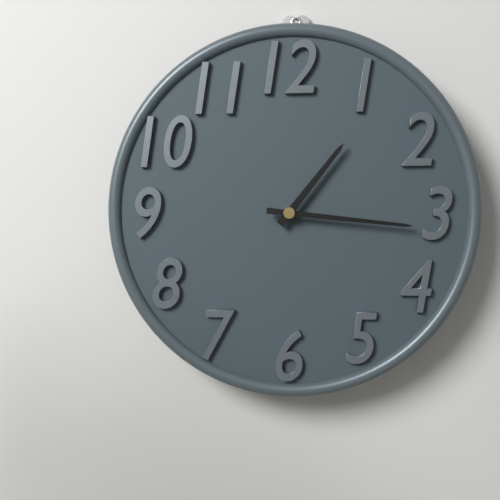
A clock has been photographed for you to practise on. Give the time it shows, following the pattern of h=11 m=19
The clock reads h=1 m=16
